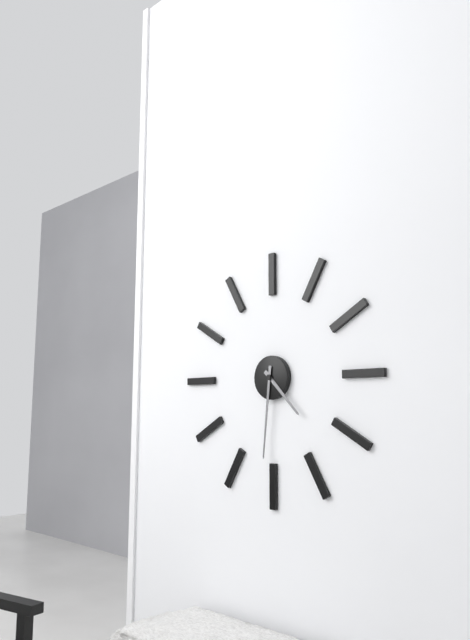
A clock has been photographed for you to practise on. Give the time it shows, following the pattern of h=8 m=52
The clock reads h=4 m=31
